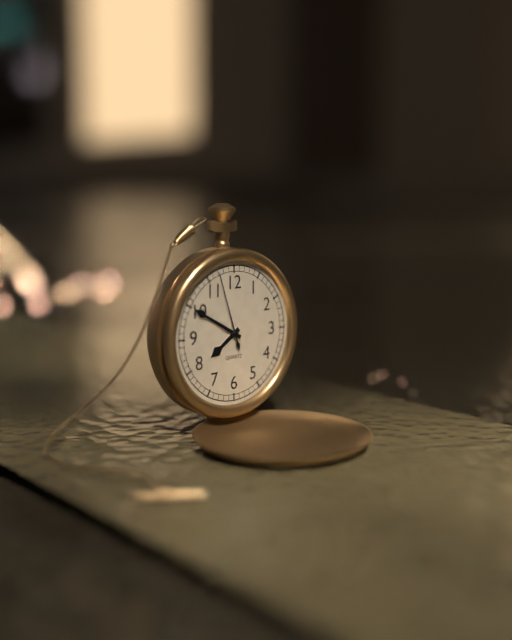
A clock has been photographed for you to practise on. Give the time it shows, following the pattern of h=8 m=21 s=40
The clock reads h=7 m=50 s=57
